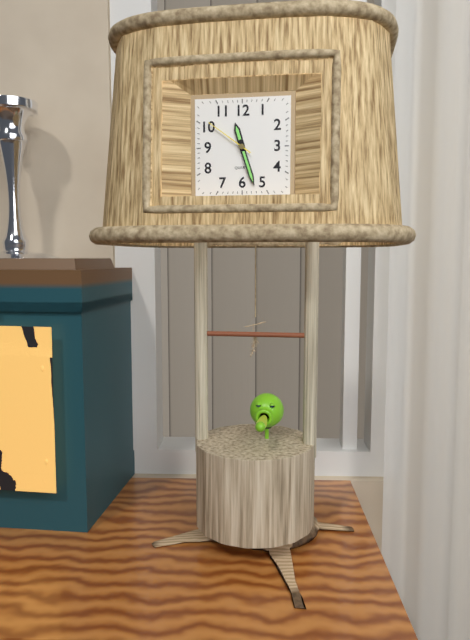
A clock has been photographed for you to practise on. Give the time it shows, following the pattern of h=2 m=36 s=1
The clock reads h=11 m=27 s=51
